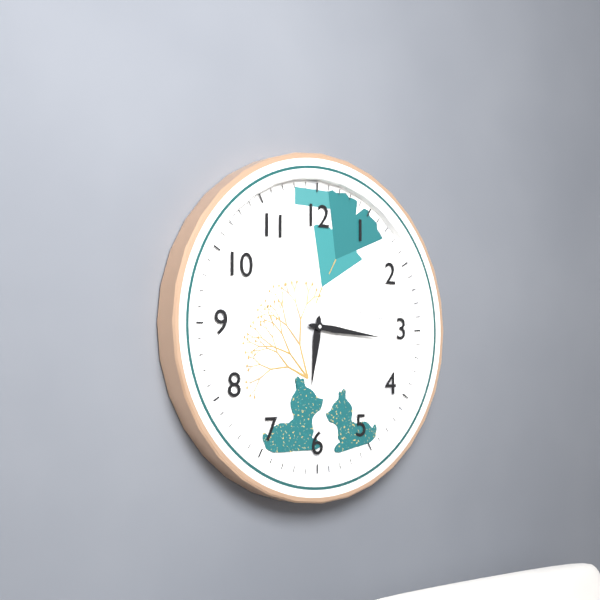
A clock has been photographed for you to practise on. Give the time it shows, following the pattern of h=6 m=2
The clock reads h=6 m=16
